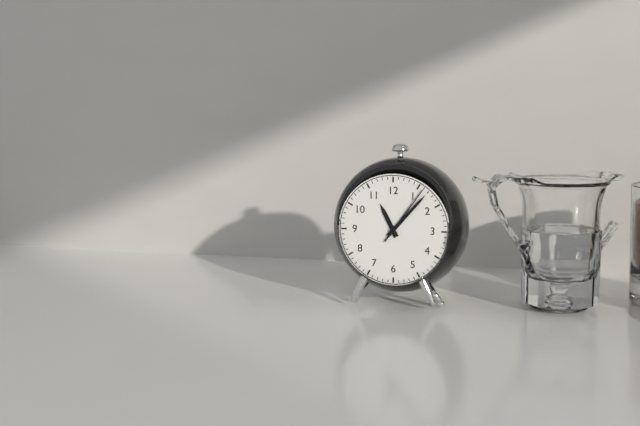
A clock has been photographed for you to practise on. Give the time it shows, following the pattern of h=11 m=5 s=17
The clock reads h=11 m=7 s=6
